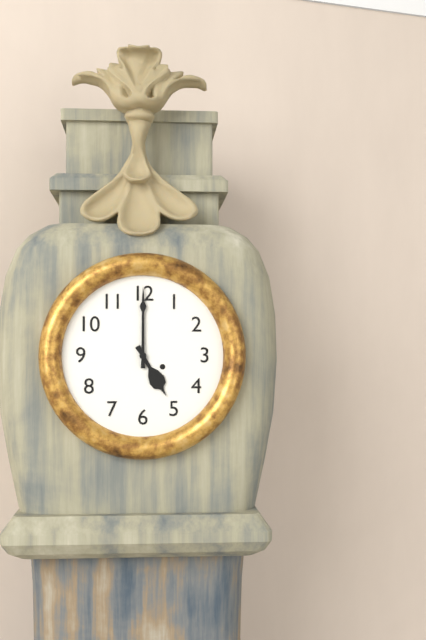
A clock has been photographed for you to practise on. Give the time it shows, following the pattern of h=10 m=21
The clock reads h=5 m=0
